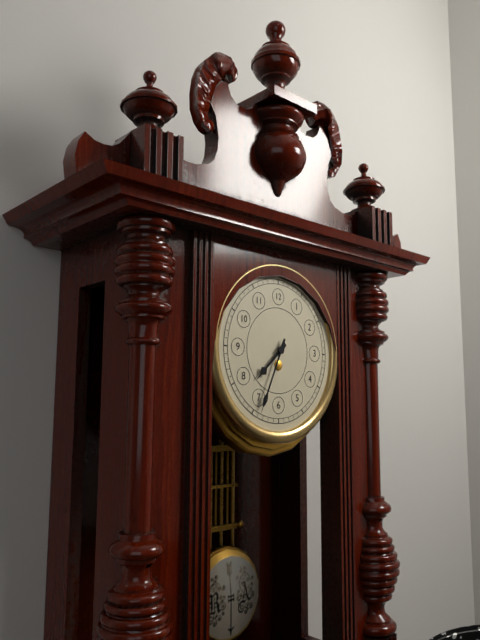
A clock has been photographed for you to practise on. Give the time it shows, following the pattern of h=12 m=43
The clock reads h=7 m=34
